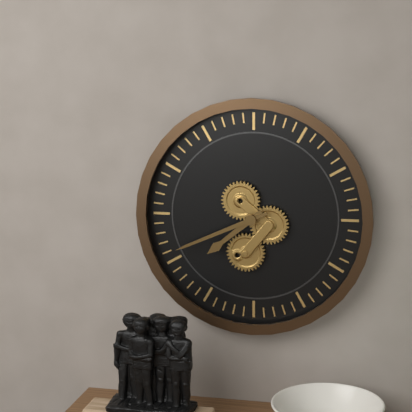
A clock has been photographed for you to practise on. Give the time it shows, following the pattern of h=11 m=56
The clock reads h=7 m=41
